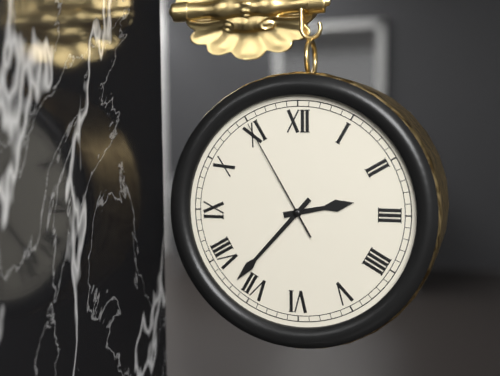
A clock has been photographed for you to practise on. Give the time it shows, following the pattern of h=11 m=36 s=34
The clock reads h=2 m=37 s=55
